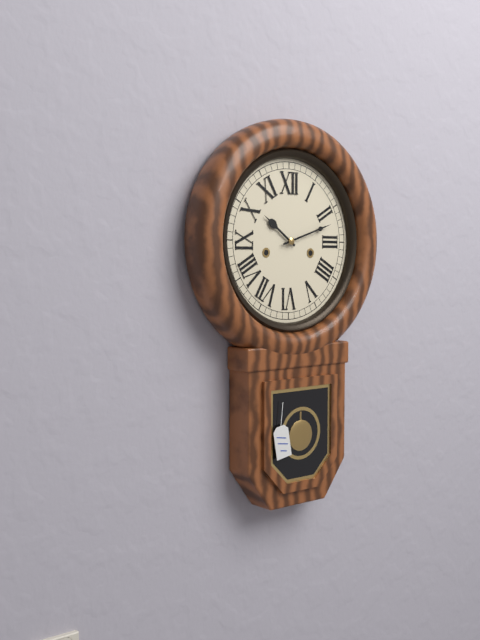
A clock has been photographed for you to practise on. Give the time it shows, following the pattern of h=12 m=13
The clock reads h=10 m=12
